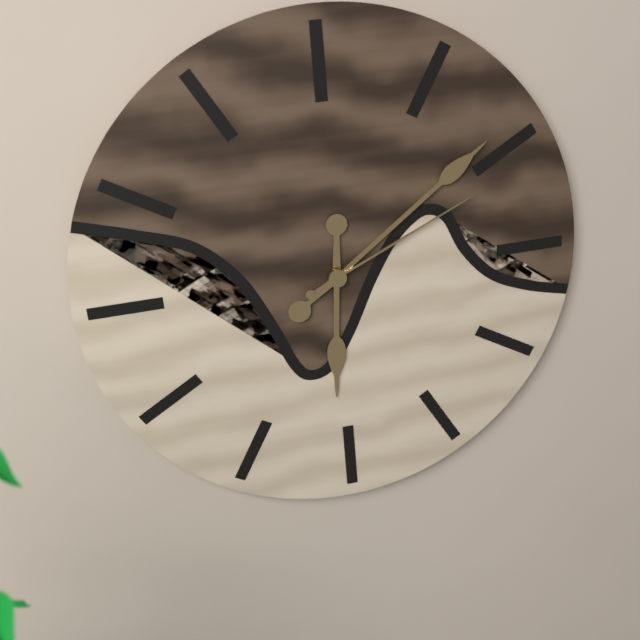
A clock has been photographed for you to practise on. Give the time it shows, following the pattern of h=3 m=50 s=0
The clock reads h=6 m=9 s=11
